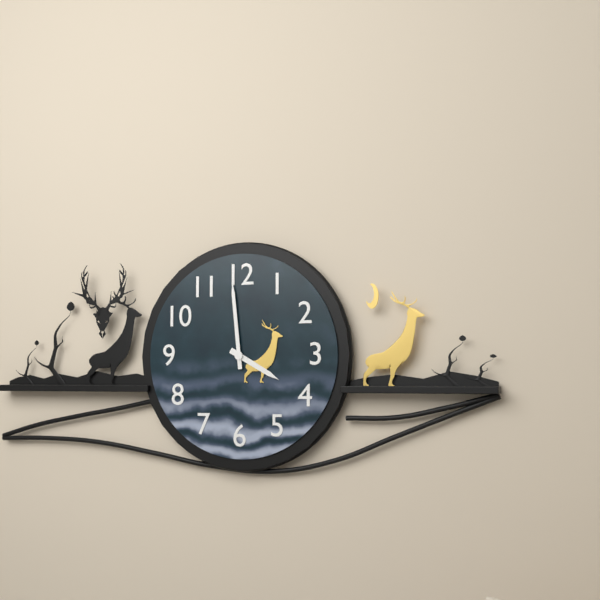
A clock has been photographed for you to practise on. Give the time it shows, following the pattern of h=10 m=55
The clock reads h=3 m=59
